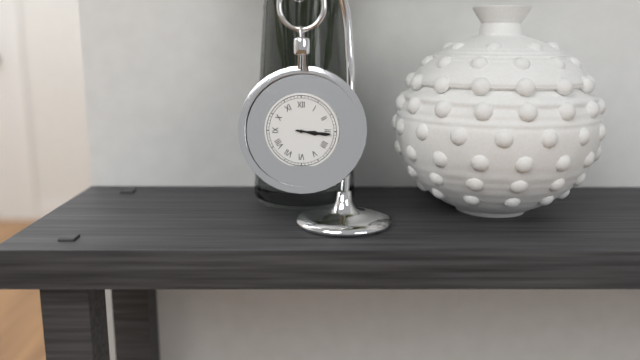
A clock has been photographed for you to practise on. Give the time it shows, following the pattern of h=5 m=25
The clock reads h=3 m=16
